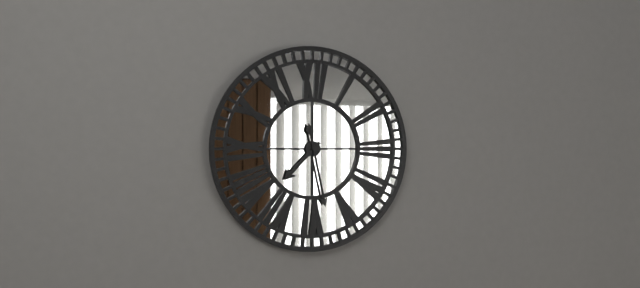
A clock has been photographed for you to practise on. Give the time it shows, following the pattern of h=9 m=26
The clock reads h=7 m=28
